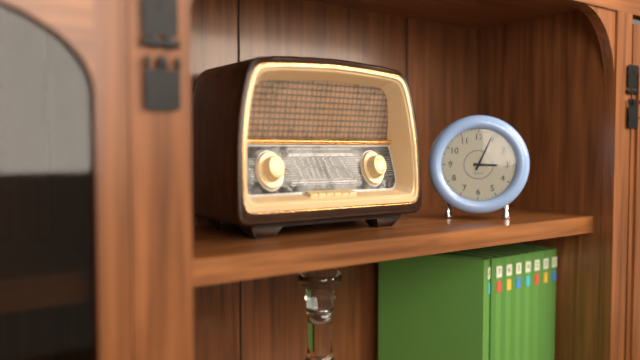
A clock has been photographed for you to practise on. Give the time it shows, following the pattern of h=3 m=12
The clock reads h=3 m=4
